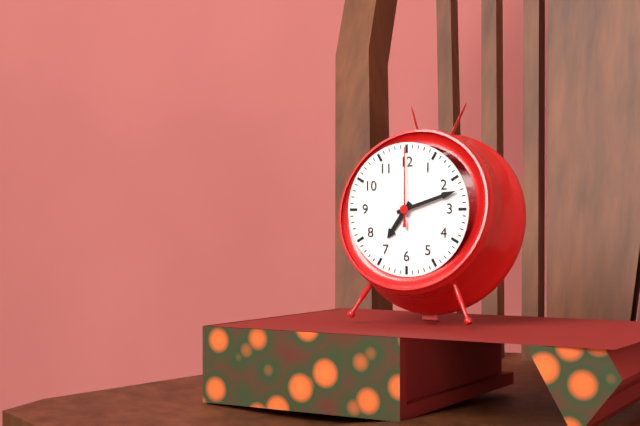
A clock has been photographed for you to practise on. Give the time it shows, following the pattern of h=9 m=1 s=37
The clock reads h=7 m=12 s=0
